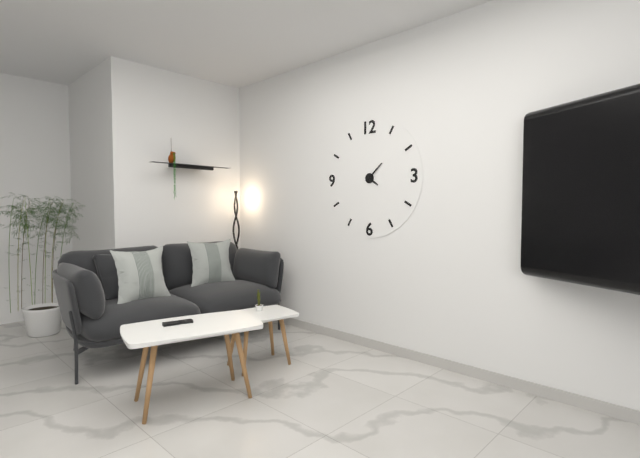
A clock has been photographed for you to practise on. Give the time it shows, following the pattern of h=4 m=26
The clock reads h=4 m=8
